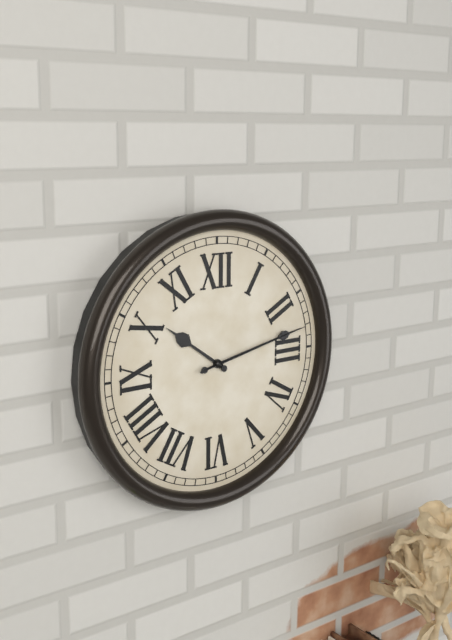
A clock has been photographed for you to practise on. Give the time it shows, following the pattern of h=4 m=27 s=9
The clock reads h=10 m=13 s=13
